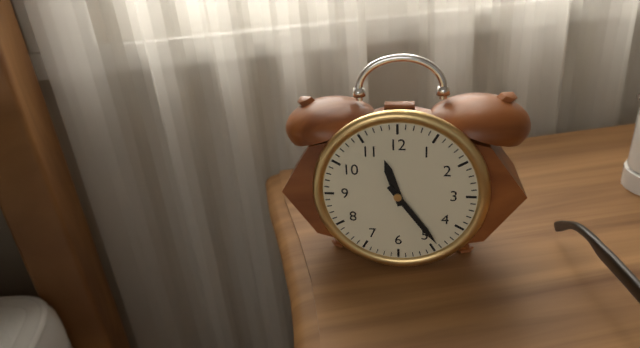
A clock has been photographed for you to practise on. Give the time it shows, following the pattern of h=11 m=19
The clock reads h=11 m=24
